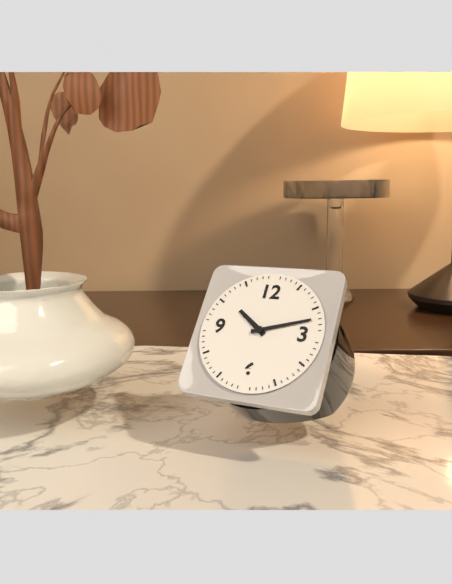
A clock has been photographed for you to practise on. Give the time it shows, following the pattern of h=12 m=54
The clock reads h=10 m=12
